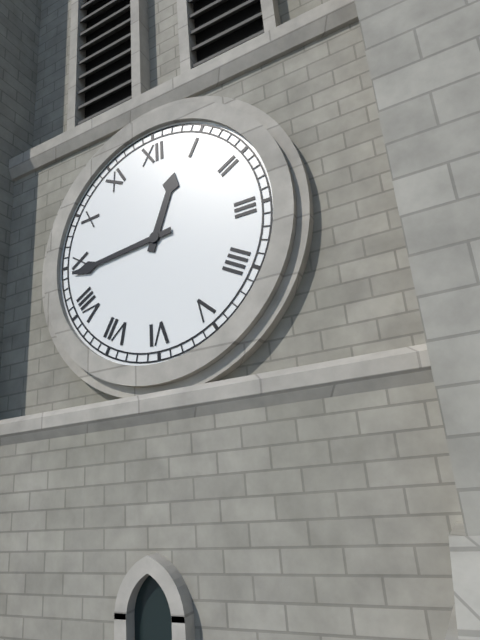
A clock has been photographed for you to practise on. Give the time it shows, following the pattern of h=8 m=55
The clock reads h=12 m=44
